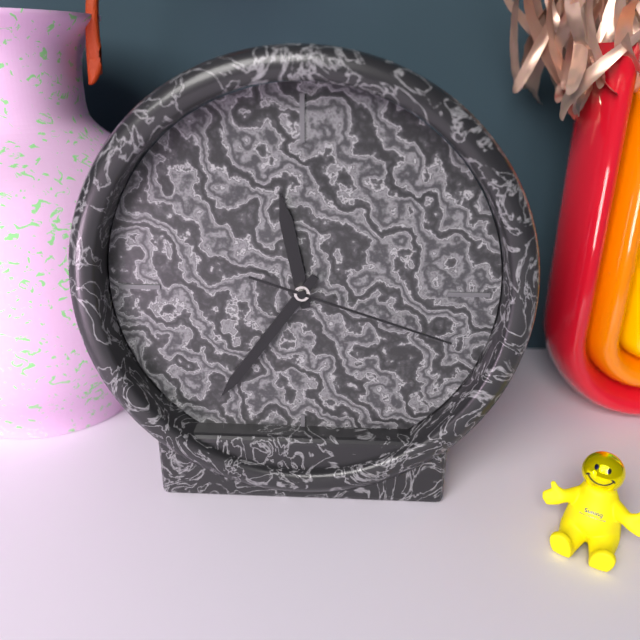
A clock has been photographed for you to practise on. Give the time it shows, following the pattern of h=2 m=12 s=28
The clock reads h=11 m=36 s=18
